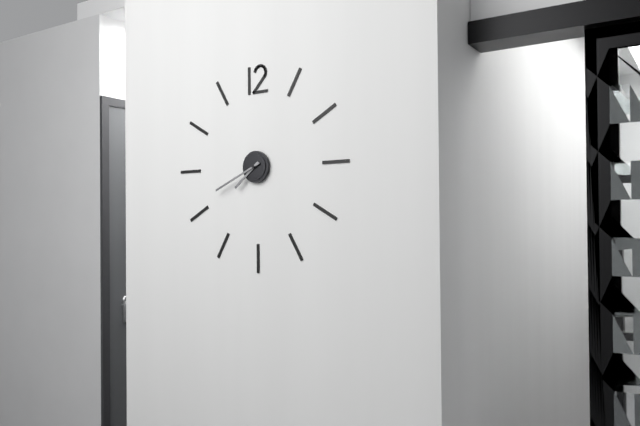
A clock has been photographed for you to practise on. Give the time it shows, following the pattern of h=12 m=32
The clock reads h=7 m=41
